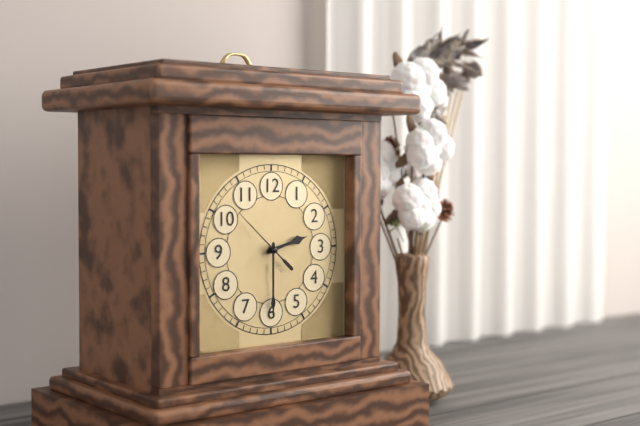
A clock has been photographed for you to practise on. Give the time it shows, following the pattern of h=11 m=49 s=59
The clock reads h=2 m=30 s=52
